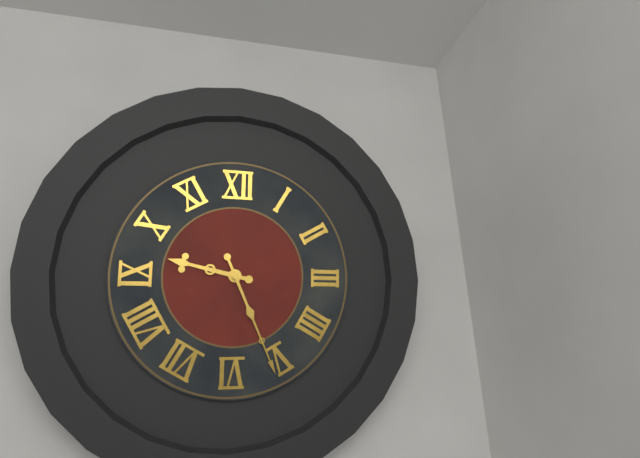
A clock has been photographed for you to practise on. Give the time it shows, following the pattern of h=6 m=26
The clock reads h=9 m=26
